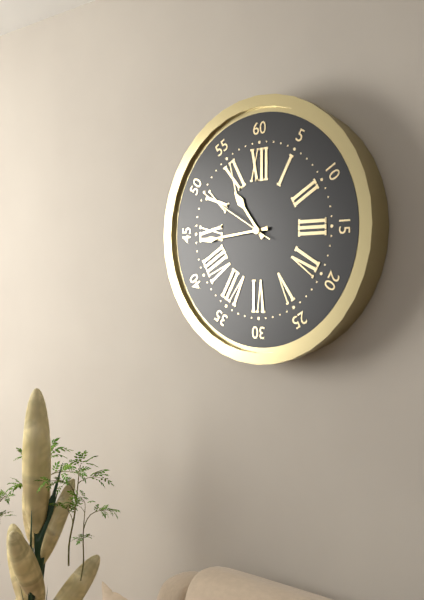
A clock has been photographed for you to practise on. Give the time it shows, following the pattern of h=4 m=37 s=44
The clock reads h=10 m=44 s=50
